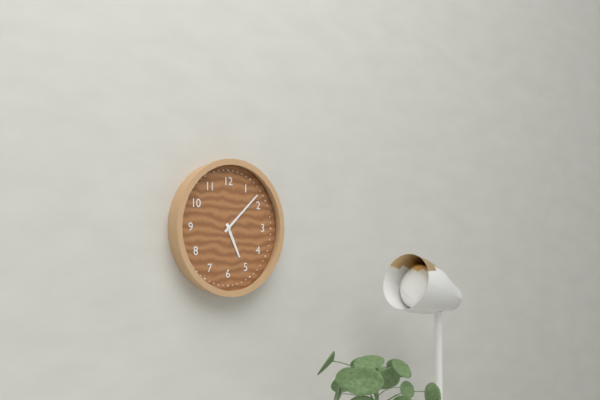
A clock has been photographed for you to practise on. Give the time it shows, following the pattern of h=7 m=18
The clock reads h=5 m=8
